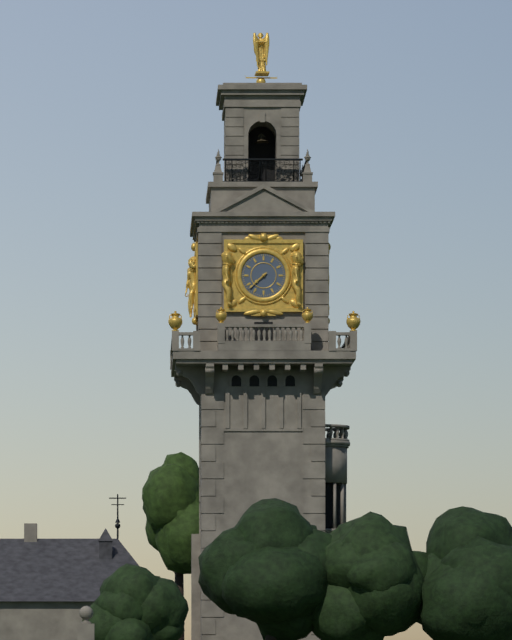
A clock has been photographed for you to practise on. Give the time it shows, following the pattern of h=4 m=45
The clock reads h=7 m=38
